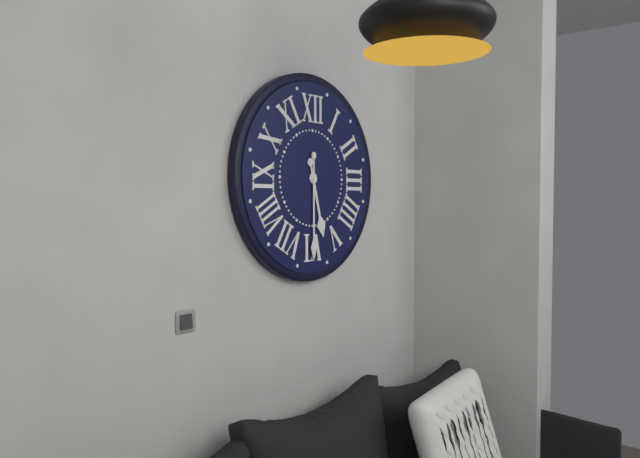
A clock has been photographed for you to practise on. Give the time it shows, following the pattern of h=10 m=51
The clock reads h=5 m=30
